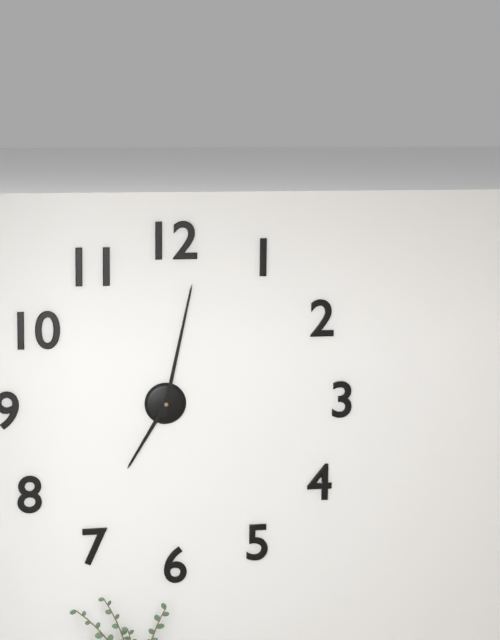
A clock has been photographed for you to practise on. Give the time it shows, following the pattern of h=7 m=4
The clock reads h=7 m=2
